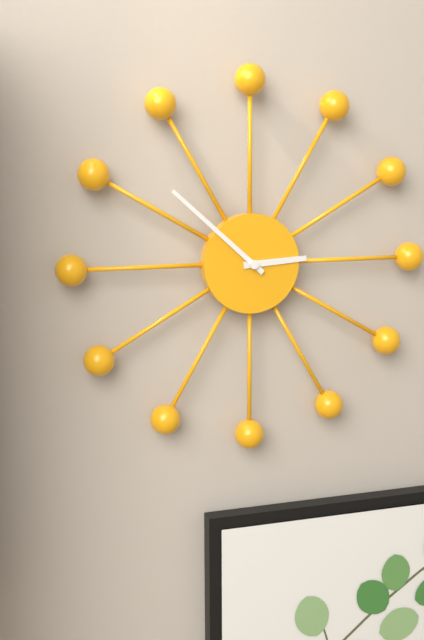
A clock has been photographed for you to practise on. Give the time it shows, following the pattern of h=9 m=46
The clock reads h=2 m=52
